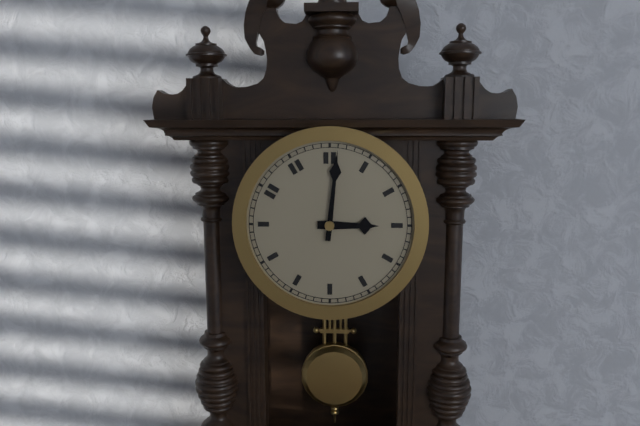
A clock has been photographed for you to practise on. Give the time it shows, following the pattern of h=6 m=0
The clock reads h=3 m=1
